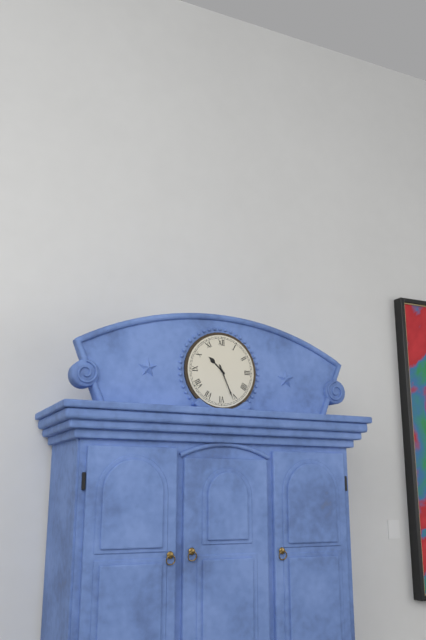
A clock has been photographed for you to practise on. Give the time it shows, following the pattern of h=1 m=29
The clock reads h=10 m=26
